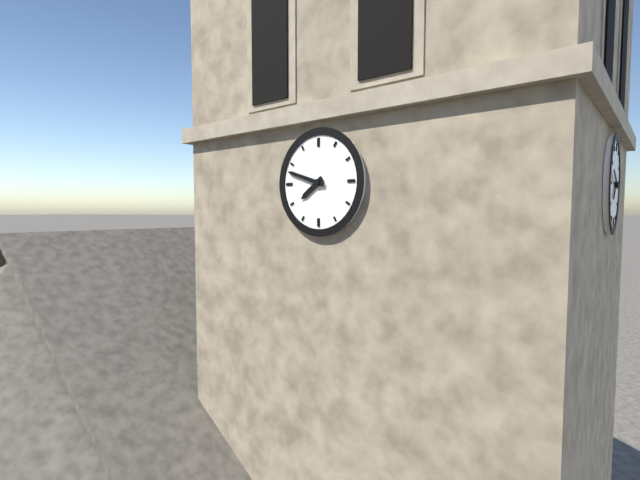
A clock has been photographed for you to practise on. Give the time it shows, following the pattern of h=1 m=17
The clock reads h=7 m=48
